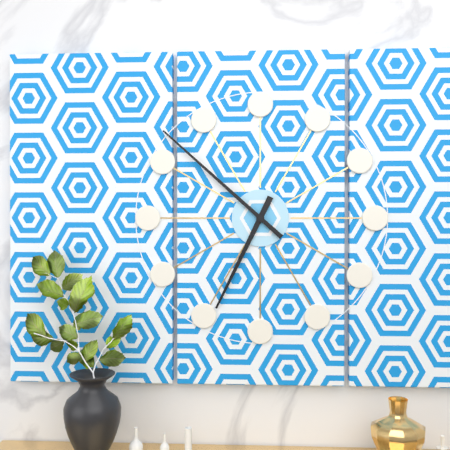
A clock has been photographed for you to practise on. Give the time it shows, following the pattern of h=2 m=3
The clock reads h=6 m=52
